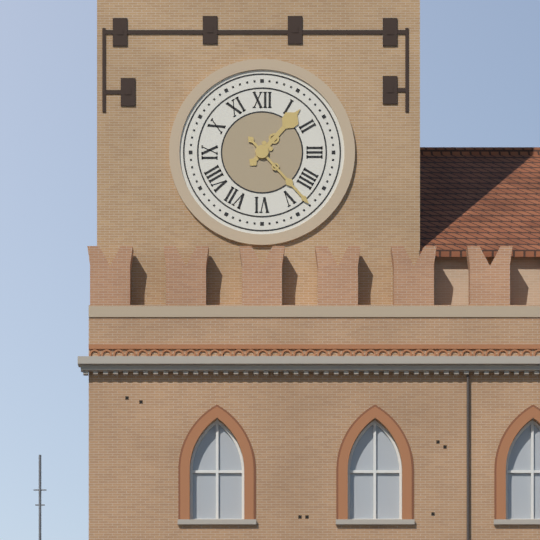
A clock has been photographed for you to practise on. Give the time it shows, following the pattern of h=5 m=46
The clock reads h=1 m=23
